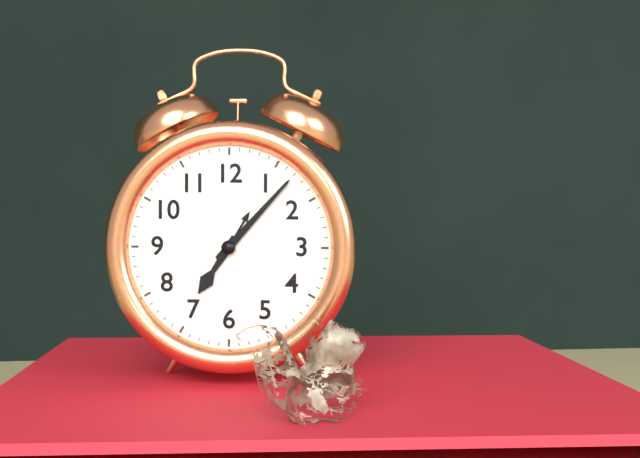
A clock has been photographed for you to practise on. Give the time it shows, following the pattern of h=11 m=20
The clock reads h=7 m=7
